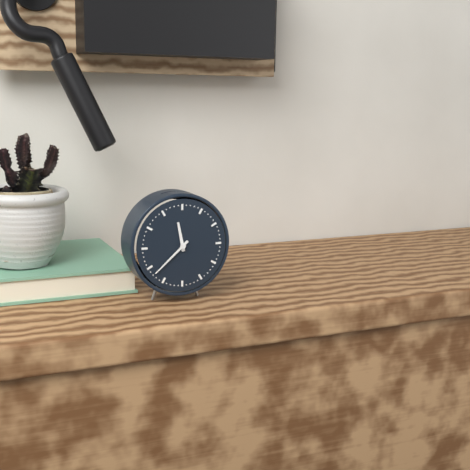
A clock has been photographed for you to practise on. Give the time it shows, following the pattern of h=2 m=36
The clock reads h=11 m=38
